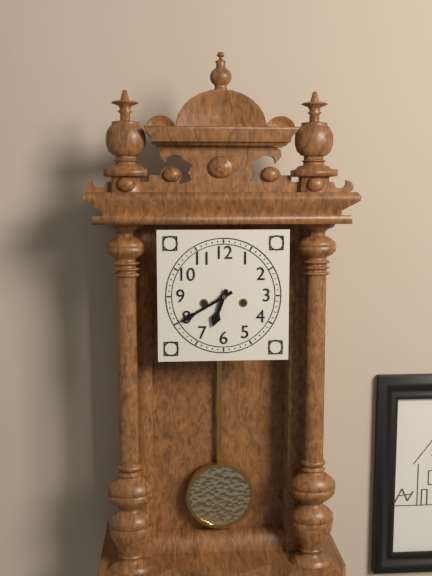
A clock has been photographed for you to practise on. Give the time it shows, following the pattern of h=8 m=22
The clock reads h=6 m=40
